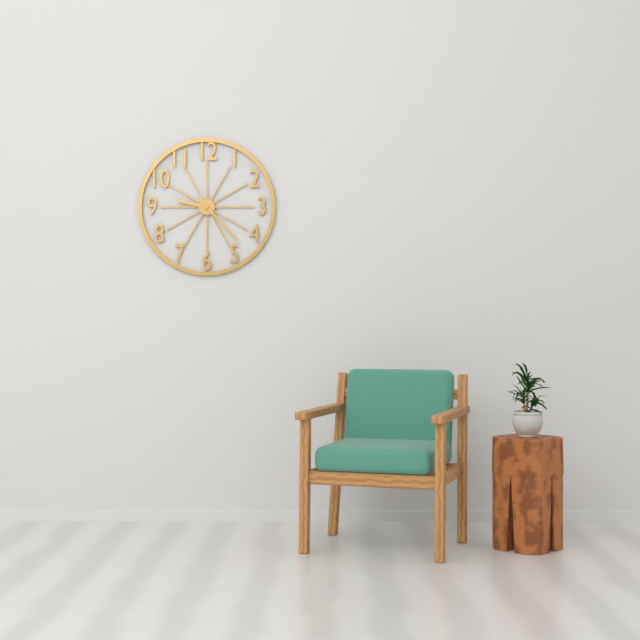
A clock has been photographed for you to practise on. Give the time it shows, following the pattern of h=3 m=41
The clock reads h=9 m=23
